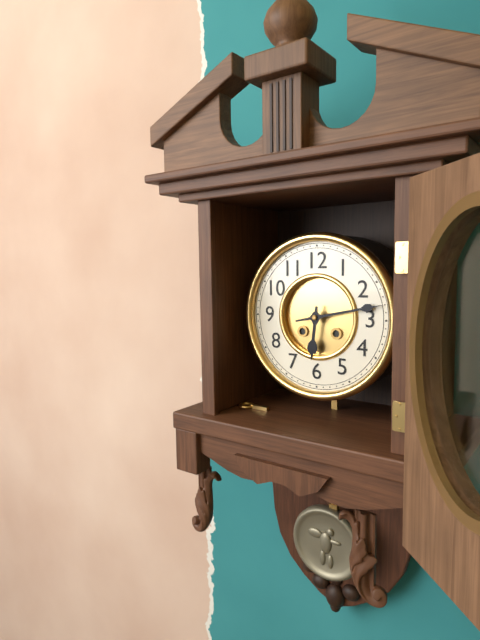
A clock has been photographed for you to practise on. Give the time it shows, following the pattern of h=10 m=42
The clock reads h=6 m=13
